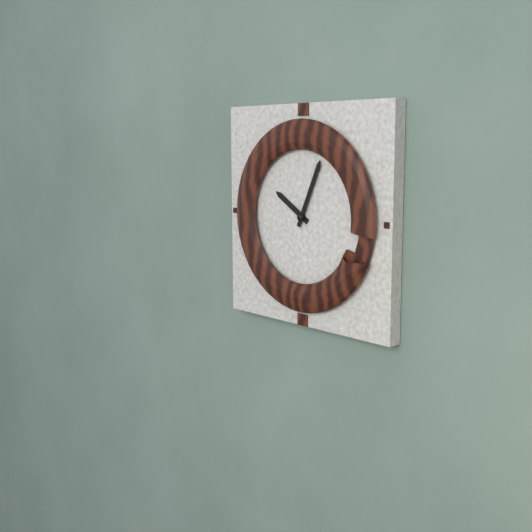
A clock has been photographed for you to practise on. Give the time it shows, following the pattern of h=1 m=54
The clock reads h=10 m=4
